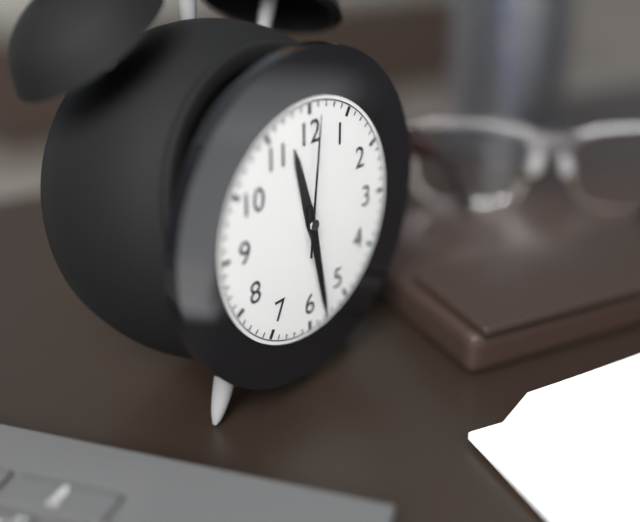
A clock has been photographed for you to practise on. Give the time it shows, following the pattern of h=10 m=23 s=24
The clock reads h=11 m=28 s=1
